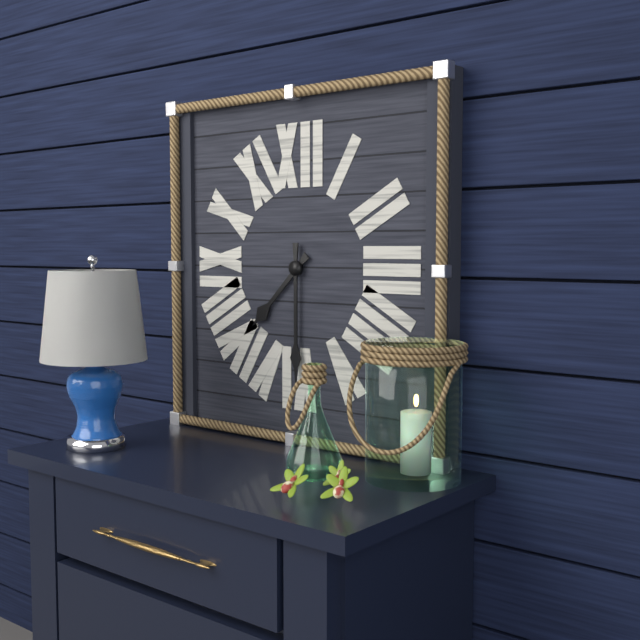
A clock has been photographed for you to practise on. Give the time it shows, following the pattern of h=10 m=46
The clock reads h=7 m=30
